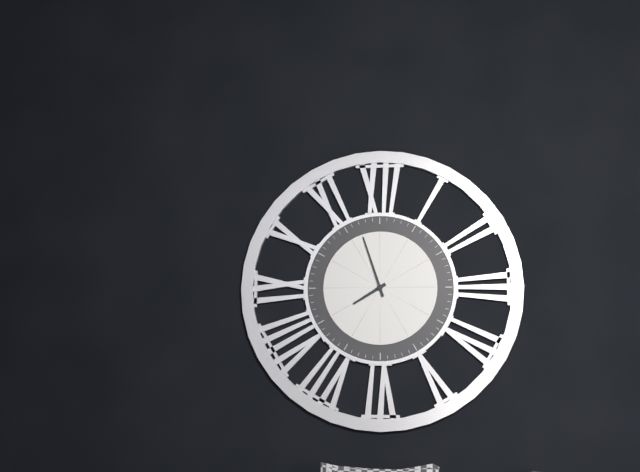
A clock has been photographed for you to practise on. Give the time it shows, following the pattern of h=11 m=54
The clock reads h=7 m=57
